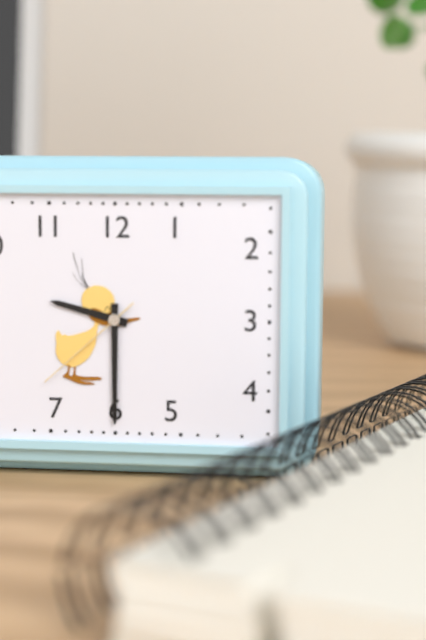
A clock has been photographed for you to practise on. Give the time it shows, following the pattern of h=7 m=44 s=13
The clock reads h=9 m=30 s=38
